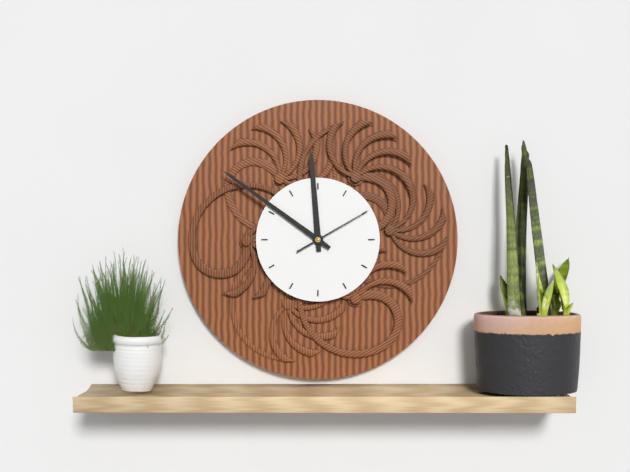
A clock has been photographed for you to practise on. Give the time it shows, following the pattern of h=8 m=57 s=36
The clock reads h=11 m=51 s=10
